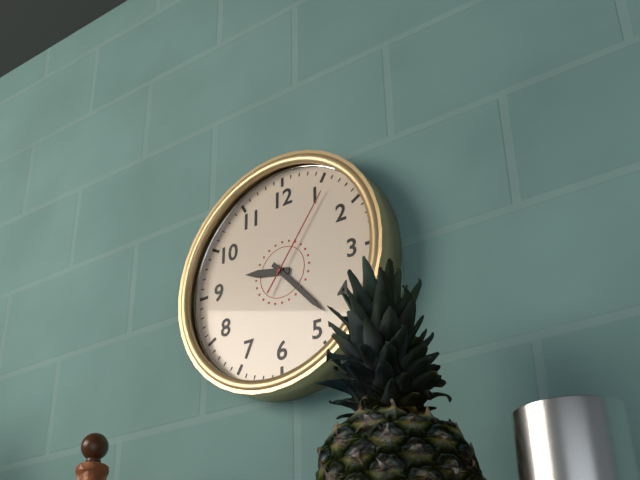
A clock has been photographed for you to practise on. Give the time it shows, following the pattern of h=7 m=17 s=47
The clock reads h=9 m=23 s=6
